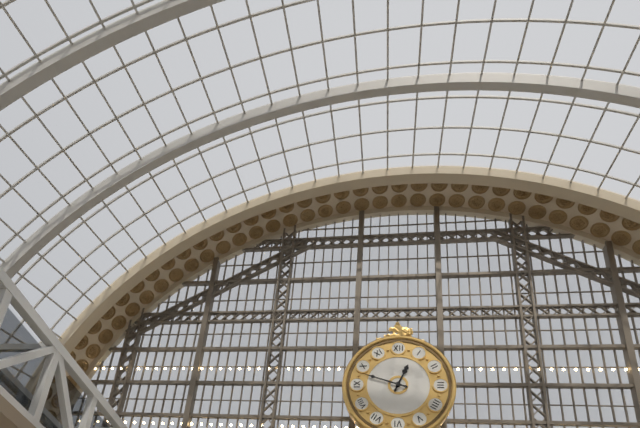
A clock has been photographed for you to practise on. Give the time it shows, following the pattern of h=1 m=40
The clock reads h=12 m=48
